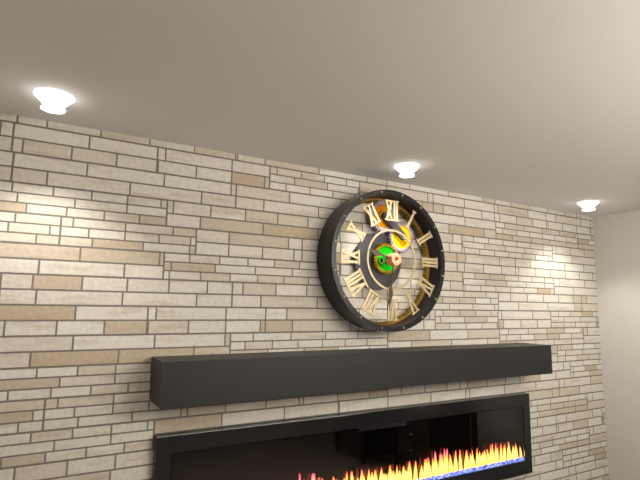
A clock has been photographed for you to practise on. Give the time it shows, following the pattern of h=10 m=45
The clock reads h=9 m=31
